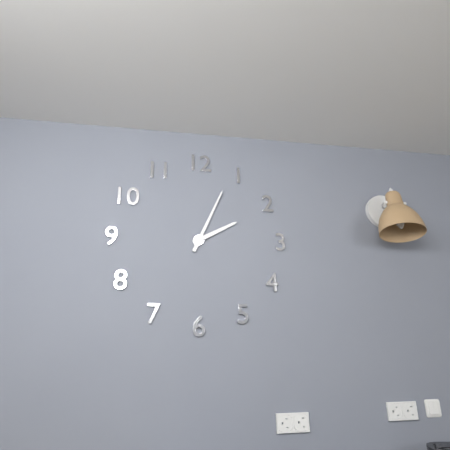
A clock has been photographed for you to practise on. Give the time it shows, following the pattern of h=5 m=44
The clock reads h=2 m=4
